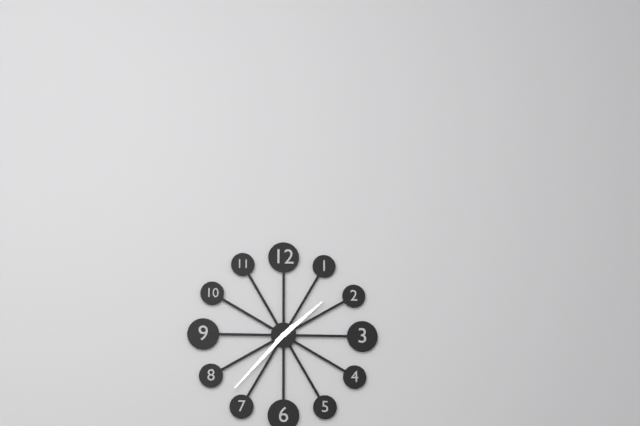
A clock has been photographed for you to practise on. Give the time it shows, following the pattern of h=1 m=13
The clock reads h=1 m=37
